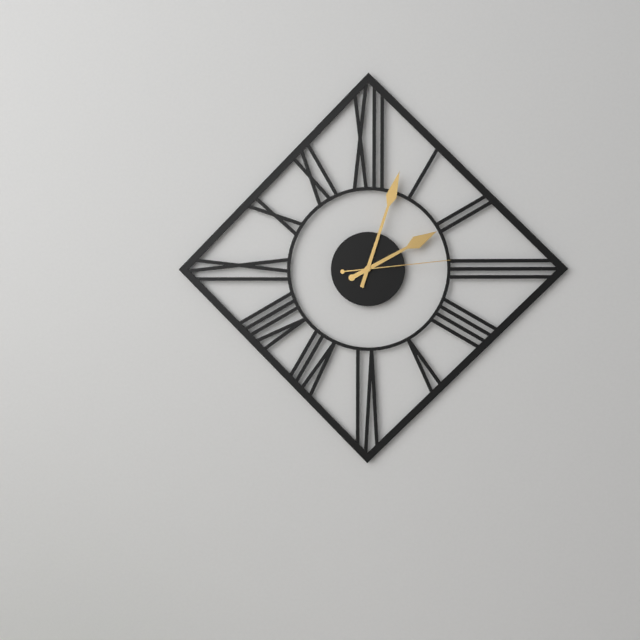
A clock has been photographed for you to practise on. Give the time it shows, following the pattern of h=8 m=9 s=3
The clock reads h=2 m=3 s=14
